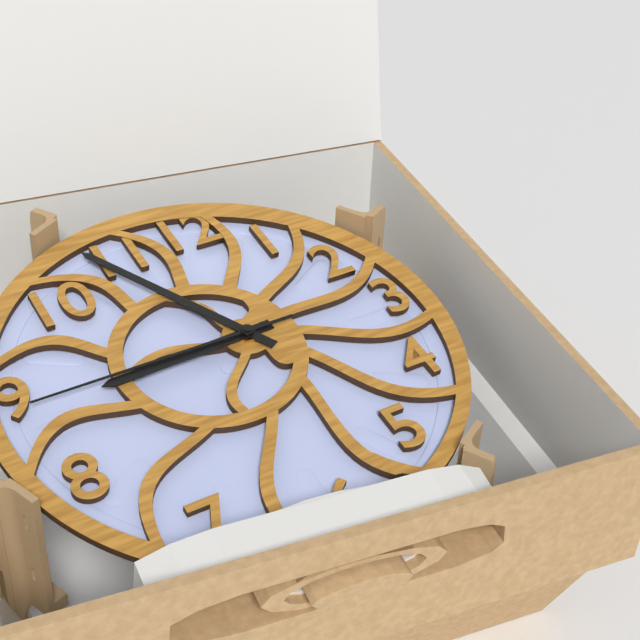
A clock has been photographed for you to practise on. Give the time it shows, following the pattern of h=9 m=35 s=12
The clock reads h=8 m=55 s=45
